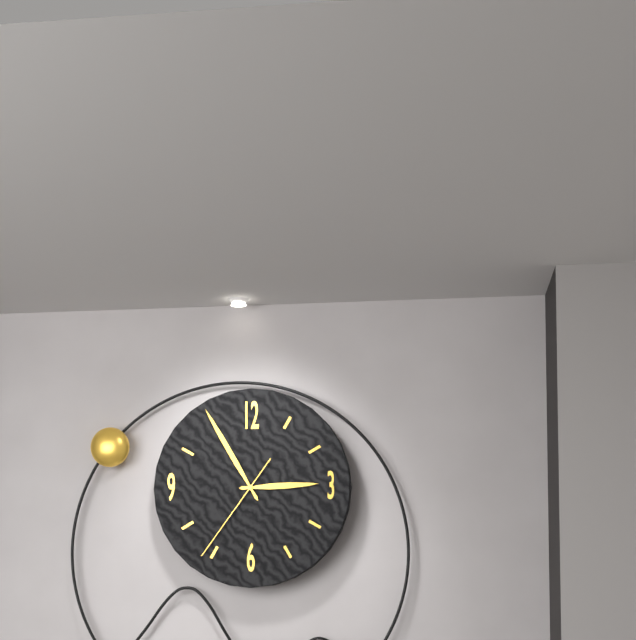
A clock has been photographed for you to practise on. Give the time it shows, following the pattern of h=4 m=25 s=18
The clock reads h=2 m=55 s=36
